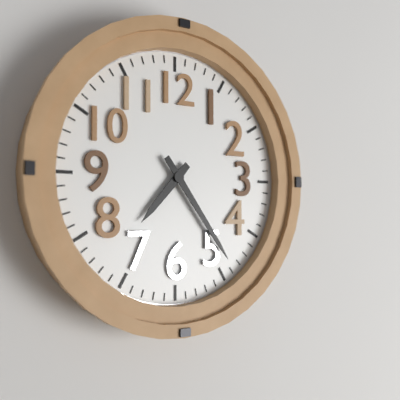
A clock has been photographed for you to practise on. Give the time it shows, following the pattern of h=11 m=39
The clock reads h=7 m=24
